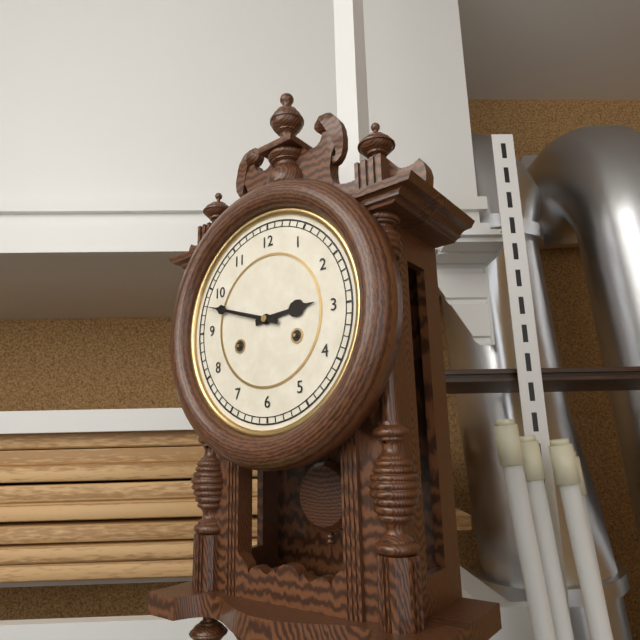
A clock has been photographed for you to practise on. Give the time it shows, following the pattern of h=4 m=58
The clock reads h=2 m=48
